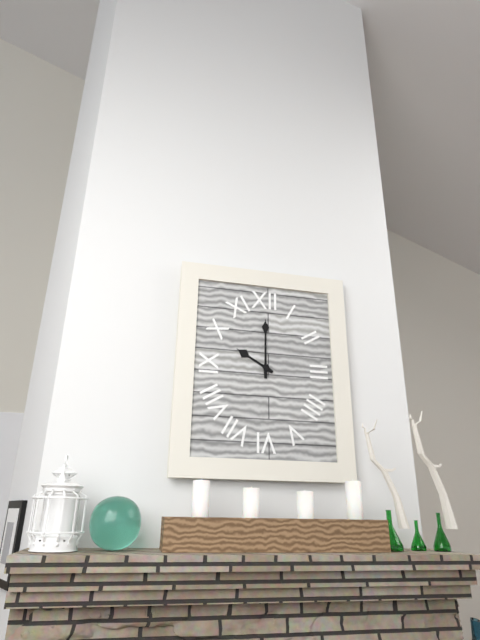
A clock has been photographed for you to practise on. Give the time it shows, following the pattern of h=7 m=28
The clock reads h=10 m=0
